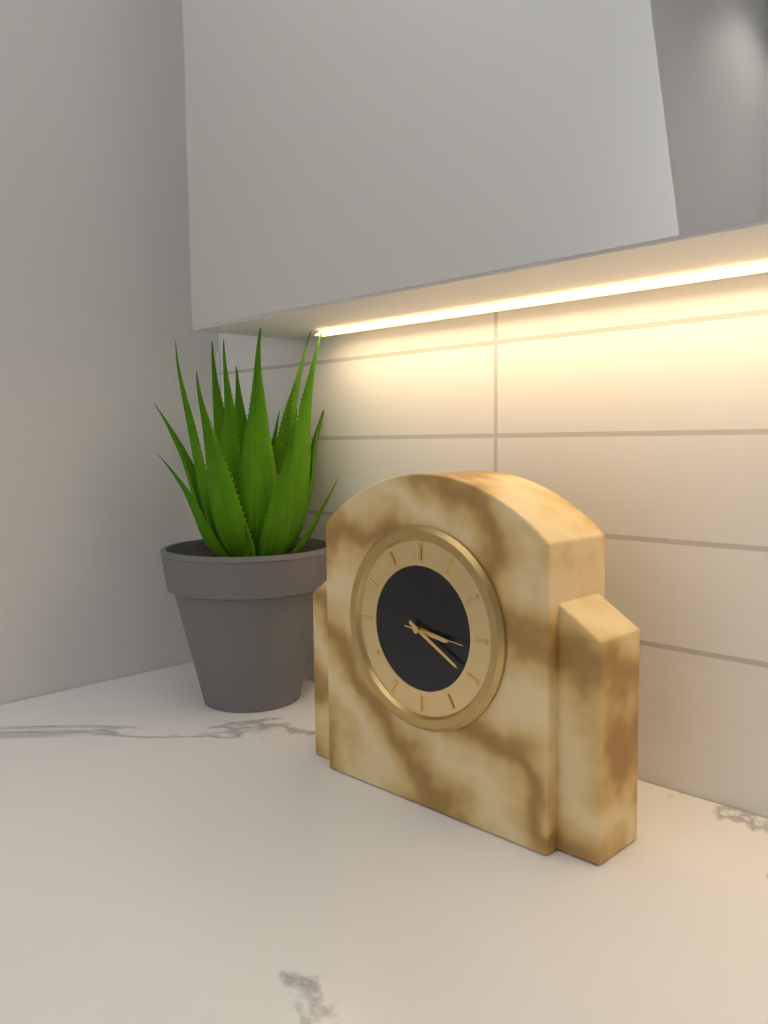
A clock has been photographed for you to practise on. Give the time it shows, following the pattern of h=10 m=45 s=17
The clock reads h=3 m=20 s=16
